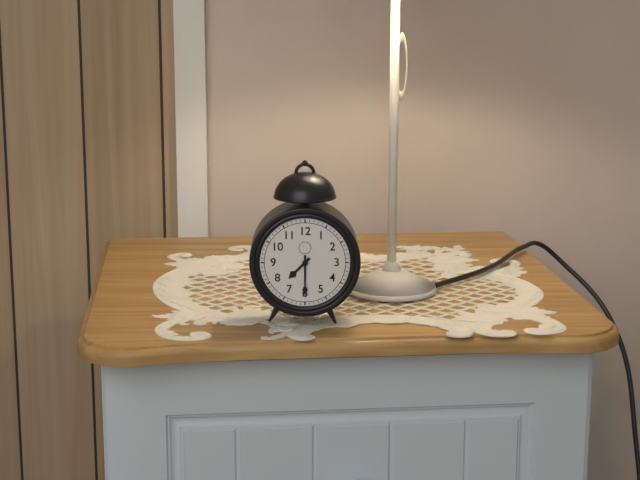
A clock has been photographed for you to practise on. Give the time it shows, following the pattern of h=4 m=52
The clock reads h=7 m=30
